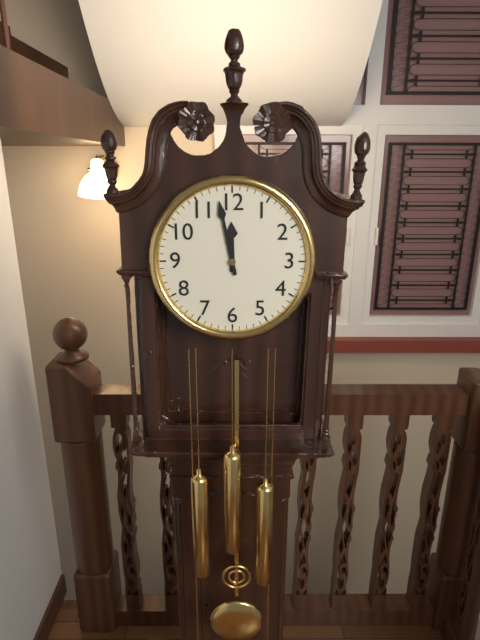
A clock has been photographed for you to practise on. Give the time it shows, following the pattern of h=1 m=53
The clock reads h=11 m=58
